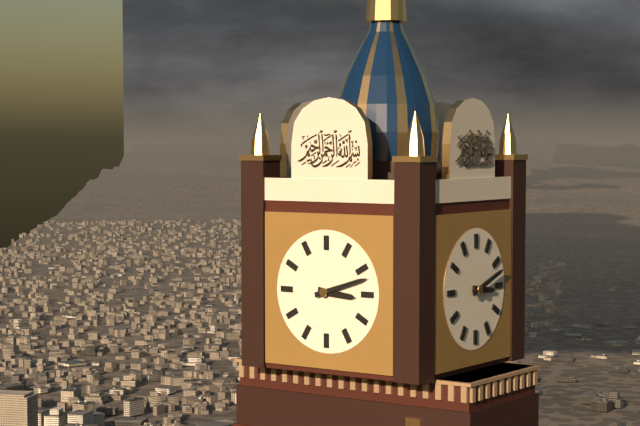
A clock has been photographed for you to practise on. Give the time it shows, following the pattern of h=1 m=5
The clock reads h=3 m=12
